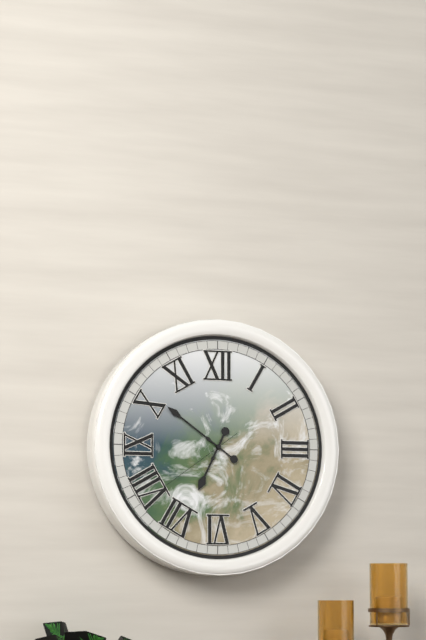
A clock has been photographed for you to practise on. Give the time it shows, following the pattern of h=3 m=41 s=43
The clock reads h=6 m=51 s=39
